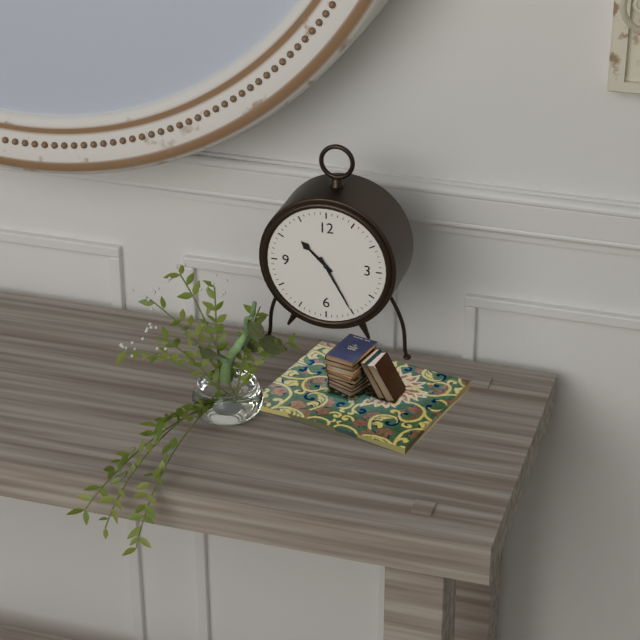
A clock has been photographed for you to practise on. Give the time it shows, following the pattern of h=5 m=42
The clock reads h=10 m=25
